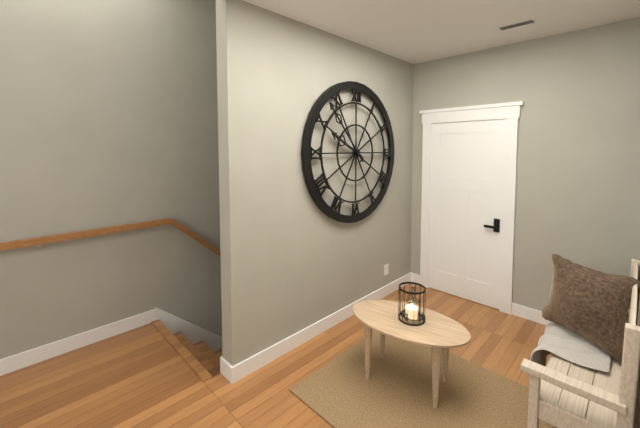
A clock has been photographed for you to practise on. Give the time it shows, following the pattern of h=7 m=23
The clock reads h=9 m=53
